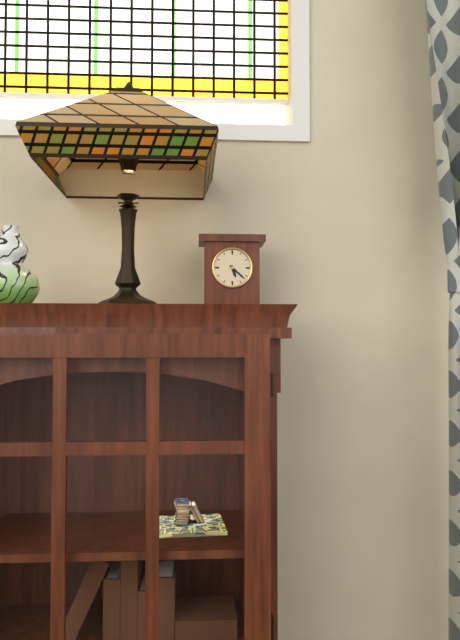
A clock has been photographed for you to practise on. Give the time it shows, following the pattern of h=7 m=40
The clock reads h=5 m=22
